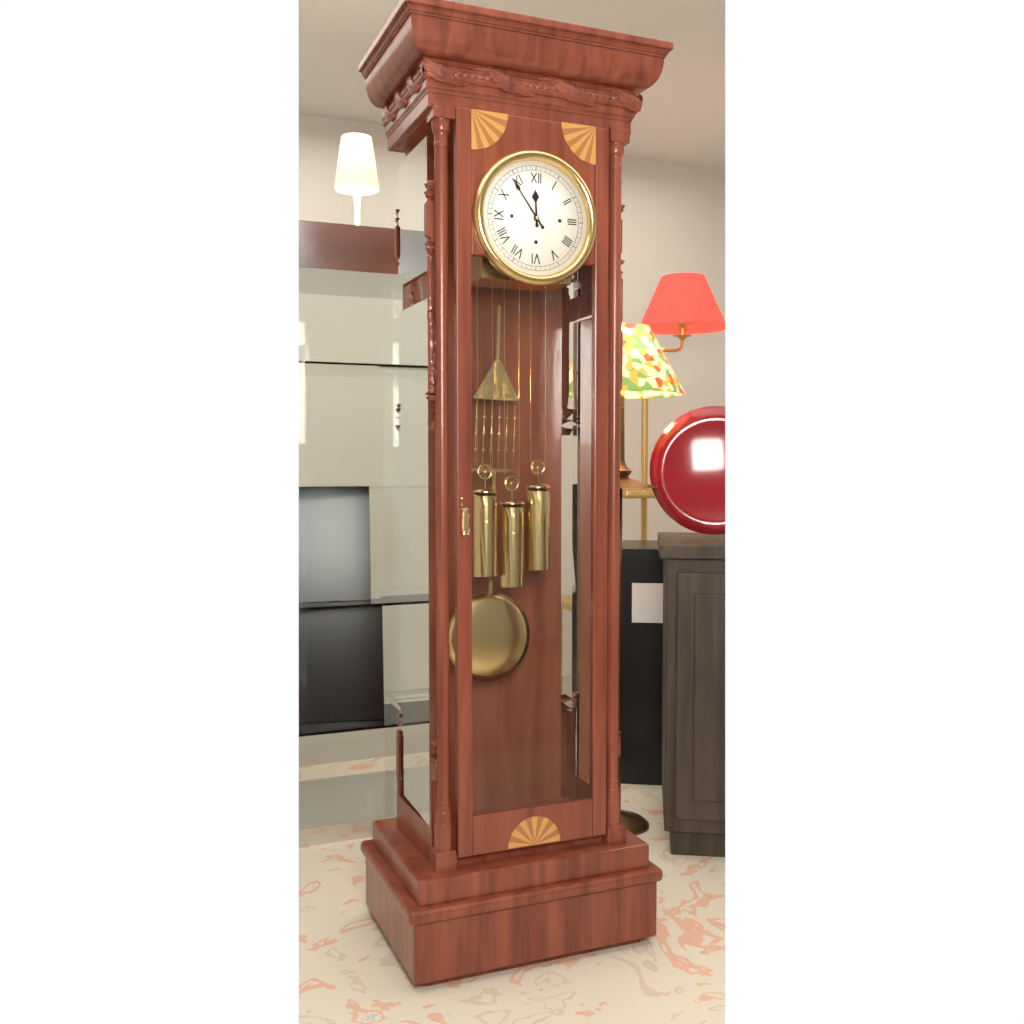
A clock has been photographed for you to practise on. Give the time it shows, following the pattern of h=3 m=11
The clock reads h=11 m=54
